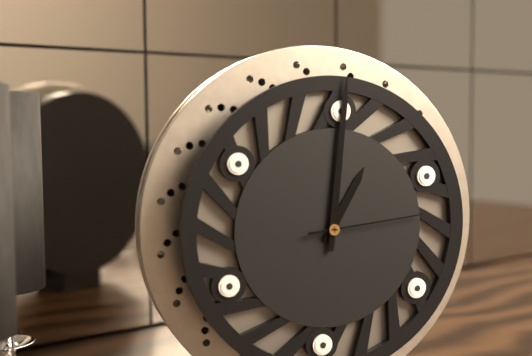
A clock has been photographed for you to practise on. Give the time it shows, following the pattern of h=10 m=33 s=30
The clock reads h=1 m=1 s=14
